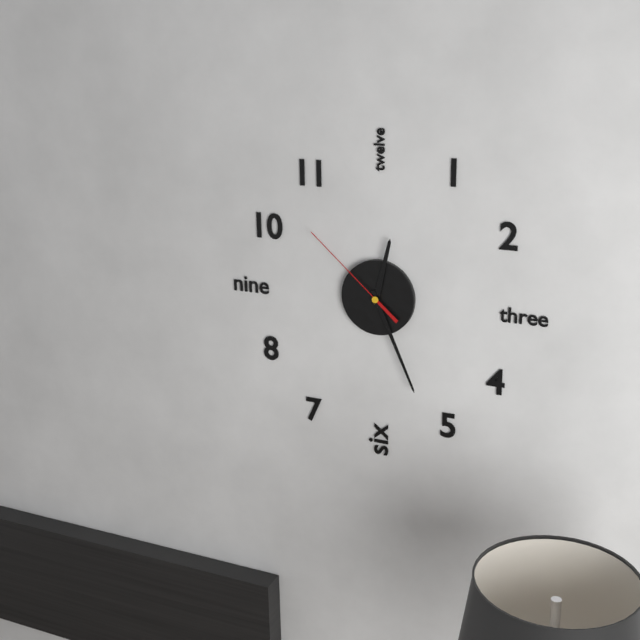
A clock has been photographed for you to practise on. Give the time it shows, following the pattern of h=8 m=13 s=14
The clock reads h=12 m=26 s=52
